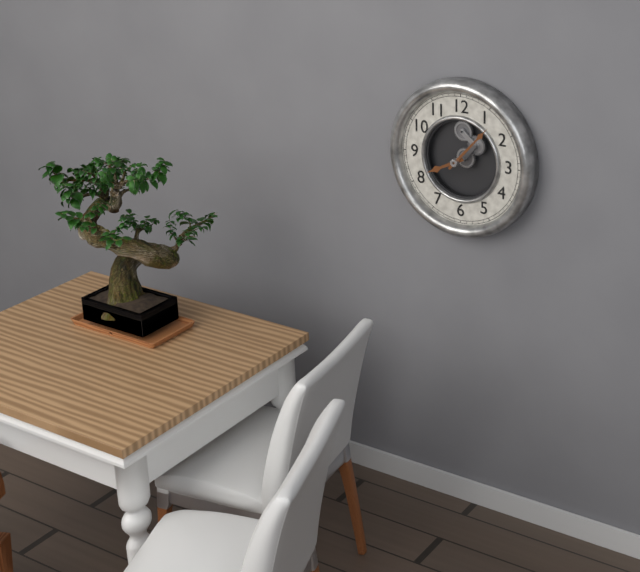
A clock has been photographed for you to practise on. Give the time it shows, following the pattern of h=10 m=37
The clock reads h=8 m=7
